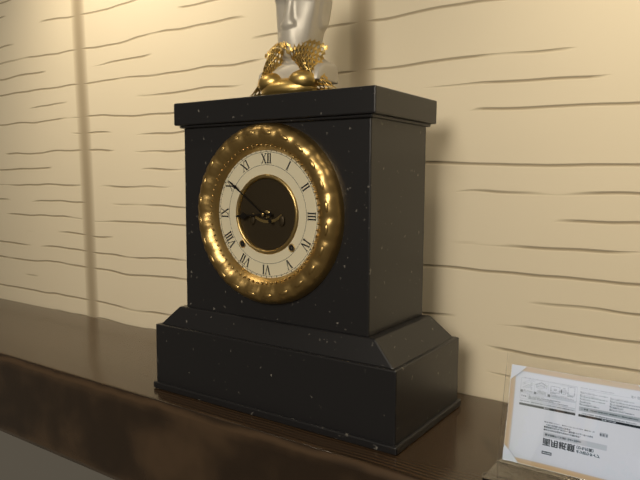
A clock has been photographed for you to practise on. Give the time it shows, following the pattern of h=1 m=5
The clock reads h=8 m=51
